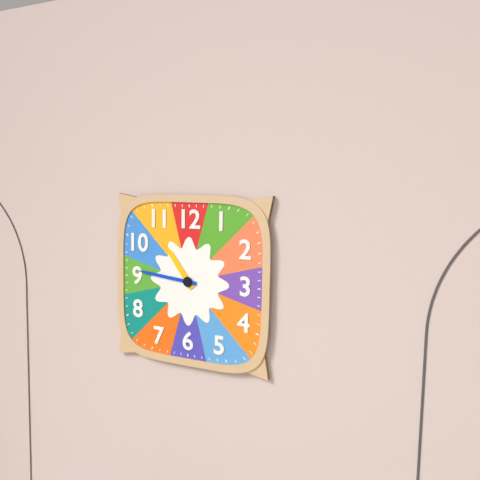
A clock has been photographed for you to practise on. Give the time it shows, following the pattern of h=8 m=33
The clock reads h=10 m=46
